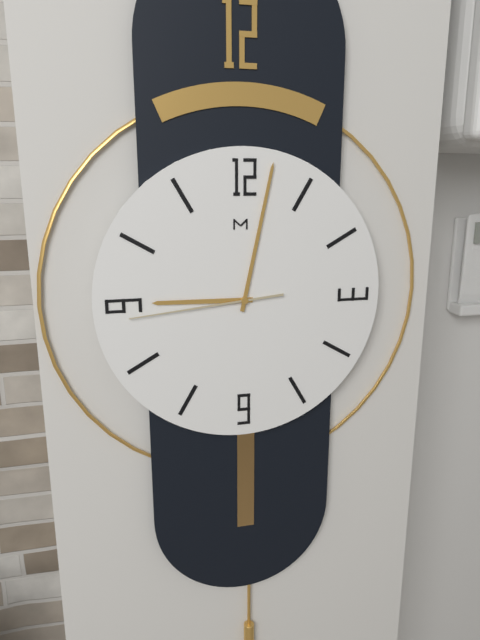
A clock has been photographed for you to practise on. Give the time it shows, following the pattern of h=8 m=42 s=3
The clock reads h=9 m=2 s=44
